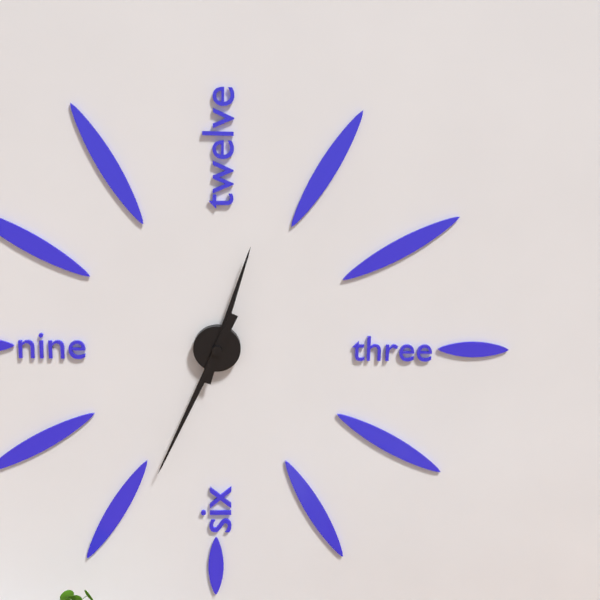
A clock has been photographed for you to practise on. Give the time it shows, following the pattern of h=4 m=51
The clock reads h=12 m=34
